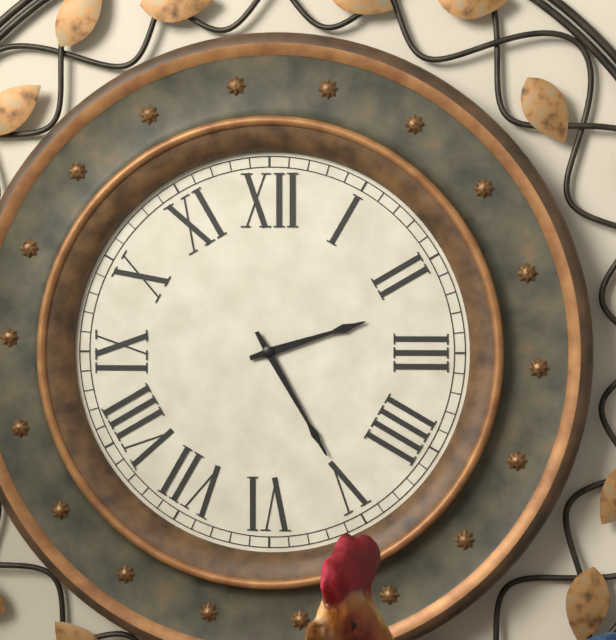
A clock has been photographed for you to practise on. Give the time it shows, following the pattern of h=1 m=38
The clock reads h=2 m=25
